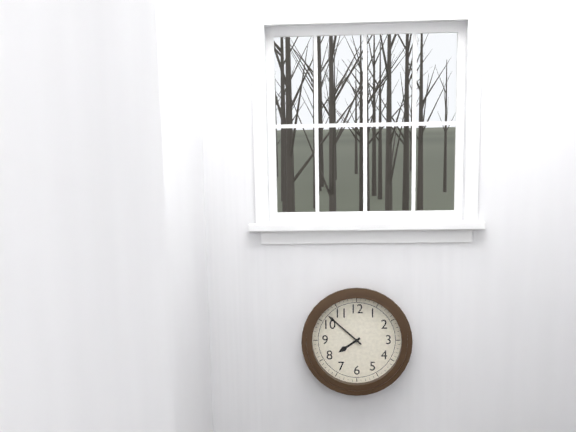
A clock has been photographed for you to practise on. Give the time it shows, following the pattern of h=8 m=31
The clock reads h=7 m=52
